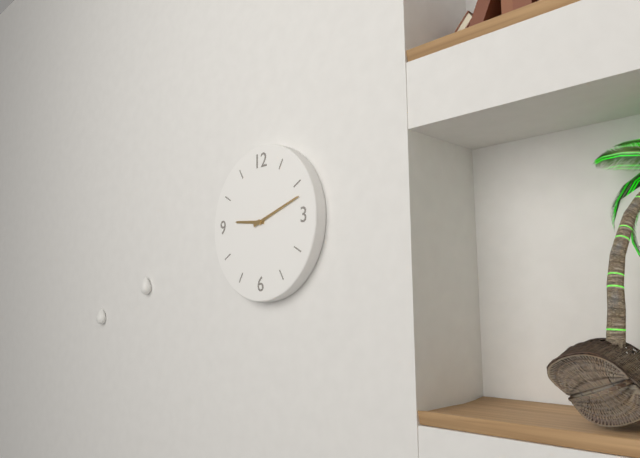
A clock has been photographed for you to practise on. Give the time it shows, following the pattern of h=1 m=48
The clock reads h=9 m=12
